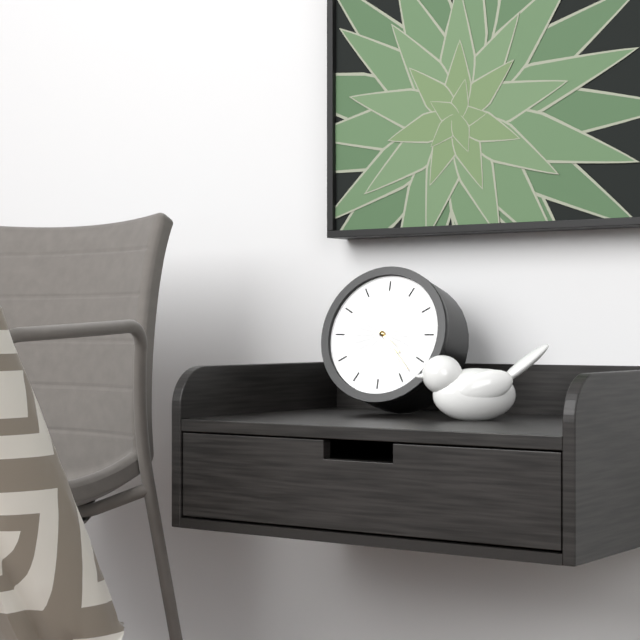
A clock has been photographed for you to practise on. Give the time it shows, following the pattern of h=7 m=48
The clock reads h=4 m=23
